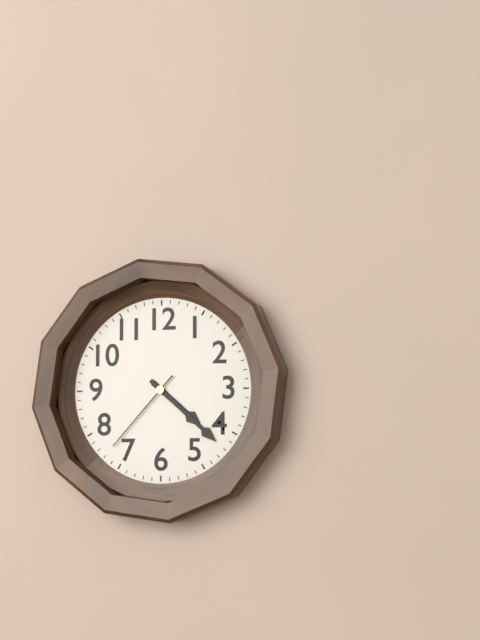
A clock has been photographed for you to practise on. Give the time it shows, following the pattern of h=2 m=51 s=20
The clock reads h=4 m=22 s=37
